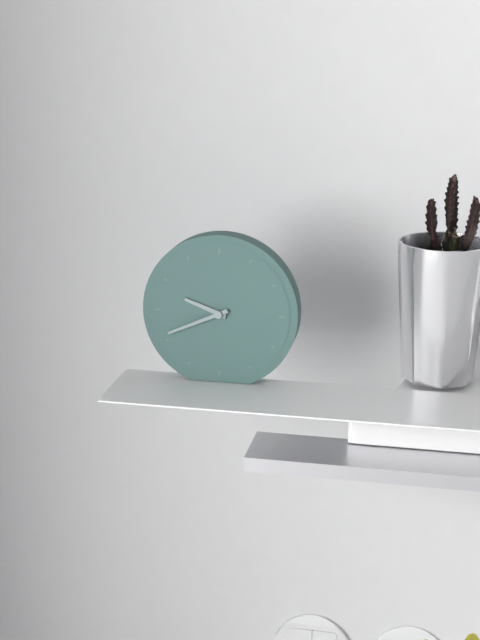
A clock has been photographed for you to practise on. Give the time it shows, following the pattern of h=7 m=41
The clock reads h=9 m=41
